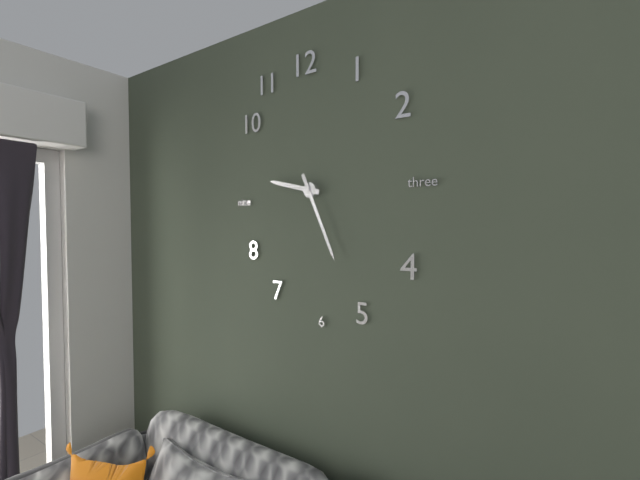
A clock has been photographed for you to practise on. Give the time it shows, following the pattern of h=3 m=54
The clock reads h=9 m=26
